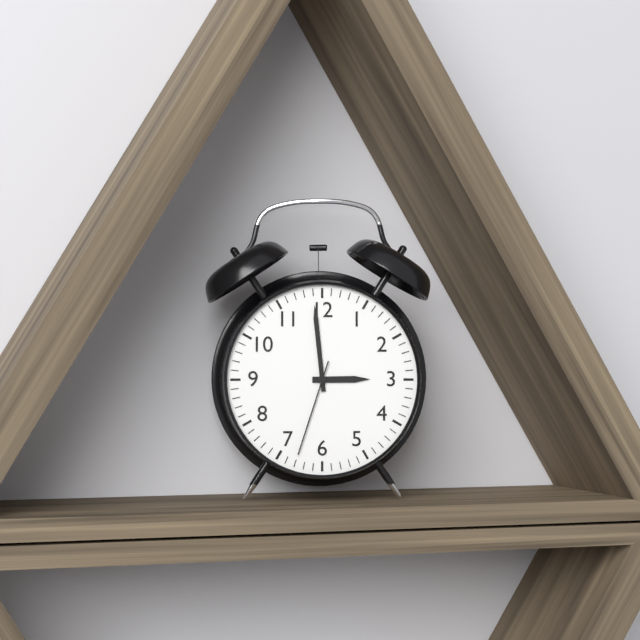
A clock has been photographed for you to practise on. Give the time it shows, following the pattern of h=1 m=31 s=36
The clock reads h=2 m=59 s=33
